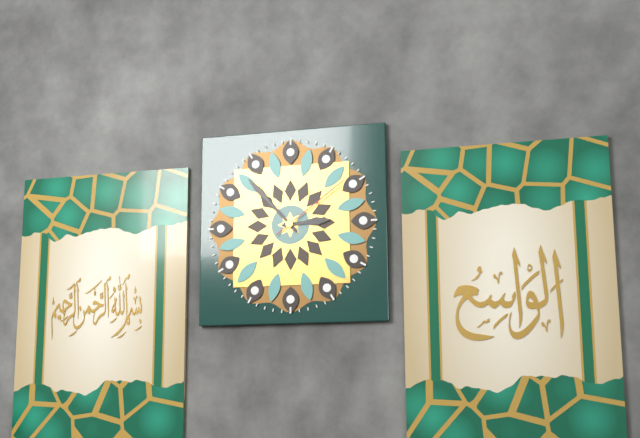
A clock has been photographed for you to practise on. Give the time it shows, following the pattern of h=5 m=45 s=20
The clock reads h=2 m=53 s=9
